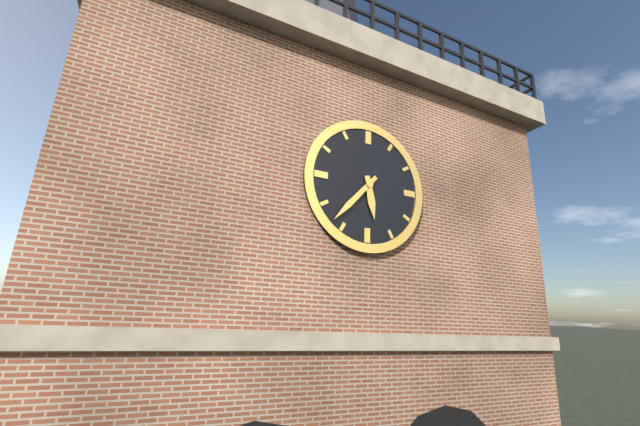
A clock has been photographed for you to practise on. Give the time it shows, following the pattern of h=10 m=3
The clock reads h=5 m=37
